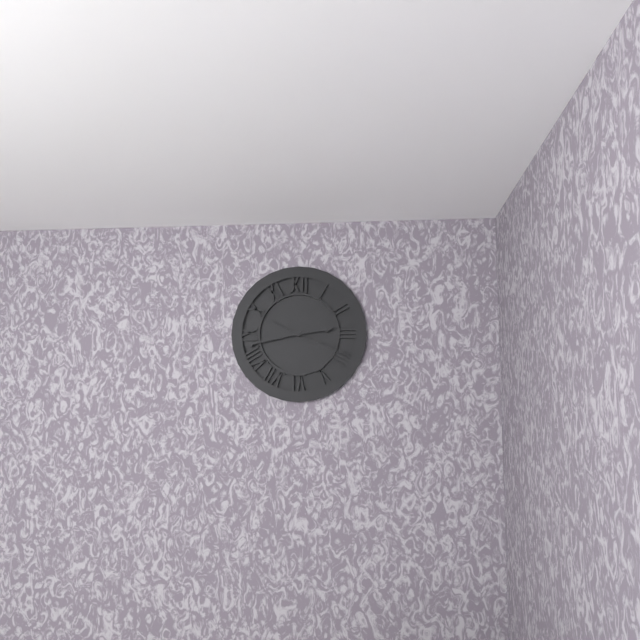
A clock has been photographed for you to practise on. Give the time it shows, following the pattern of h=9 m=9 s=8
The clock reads h=2 m=43 s=19
